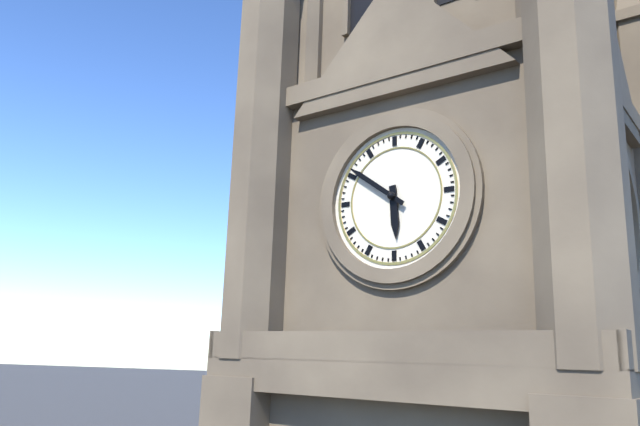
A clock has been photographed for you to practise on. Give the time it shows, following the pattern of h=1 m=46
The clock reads h=5 m=51
